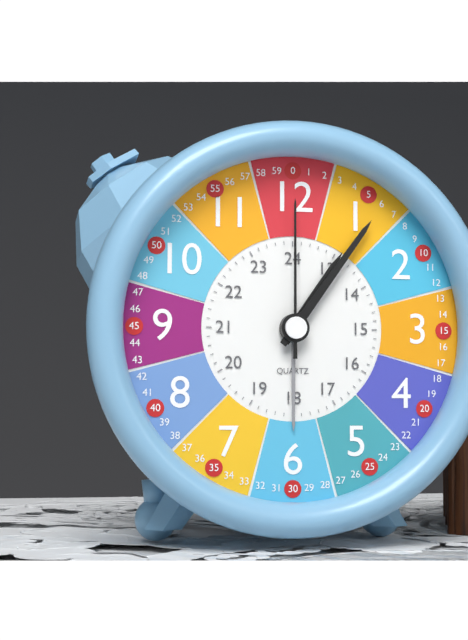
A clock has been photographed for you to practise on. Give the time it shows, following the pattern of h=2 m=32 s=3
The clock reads h=1 m=6 s=0
